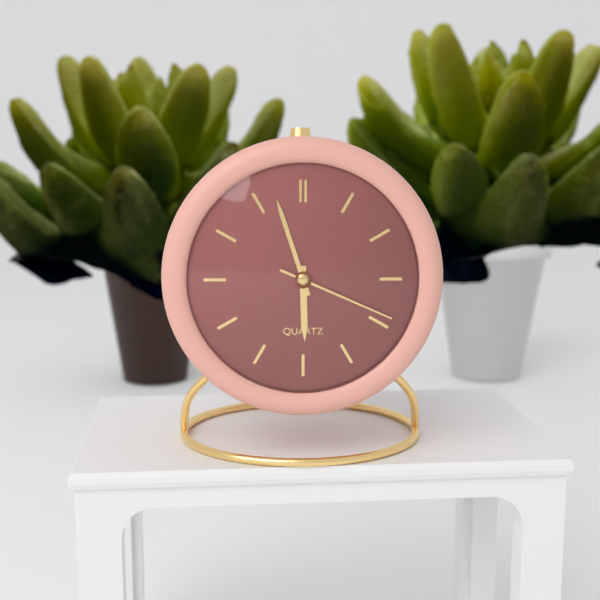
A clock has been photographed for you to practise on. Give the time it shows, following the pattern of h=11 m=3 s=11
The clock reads h=5 m=57 s=19
